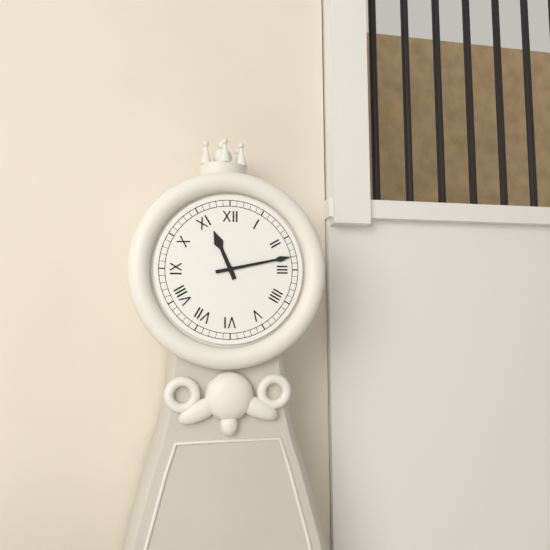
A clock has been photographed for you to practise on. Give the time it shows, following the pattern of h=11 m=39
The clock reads h=11 m=13
